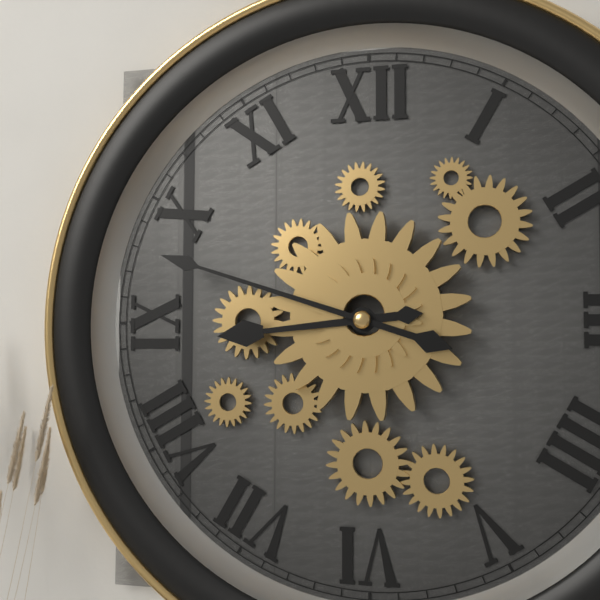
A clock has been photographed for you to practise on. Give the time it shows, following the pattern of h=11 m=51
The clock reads h=8 m=48
